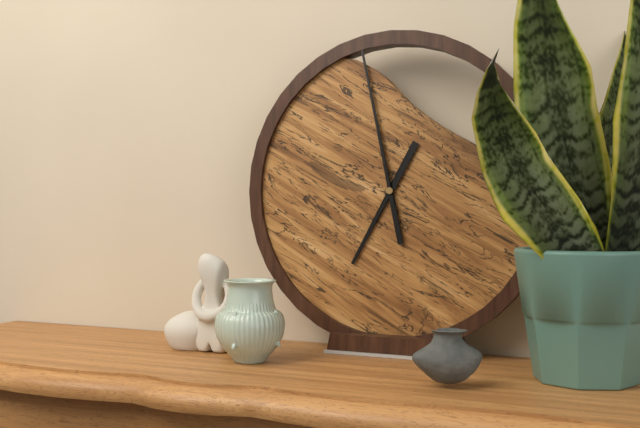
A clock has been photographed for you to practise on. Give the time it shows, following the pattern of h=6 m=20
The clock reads h=6 m=58
